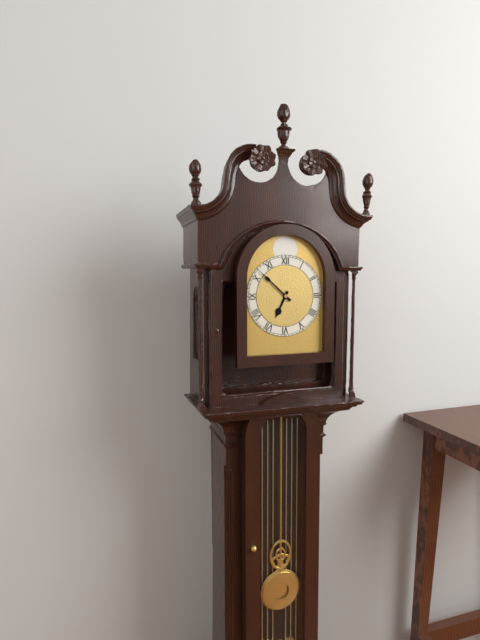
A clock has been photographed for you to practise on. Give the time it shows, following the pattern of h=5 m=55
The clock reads h=6 m=52
